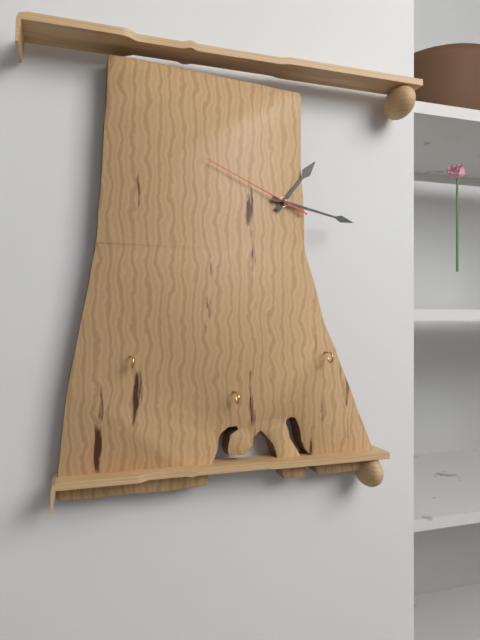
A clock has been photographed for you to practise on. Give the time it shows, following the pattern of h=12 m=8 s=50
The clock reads h=1 m=17 s=49
